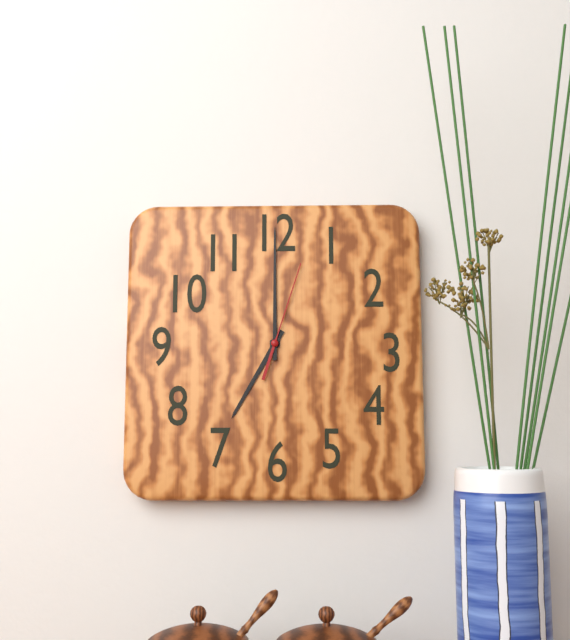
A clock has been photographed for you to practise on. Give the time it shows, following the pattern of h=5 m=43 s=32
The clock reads h=7 m=0 s=3
